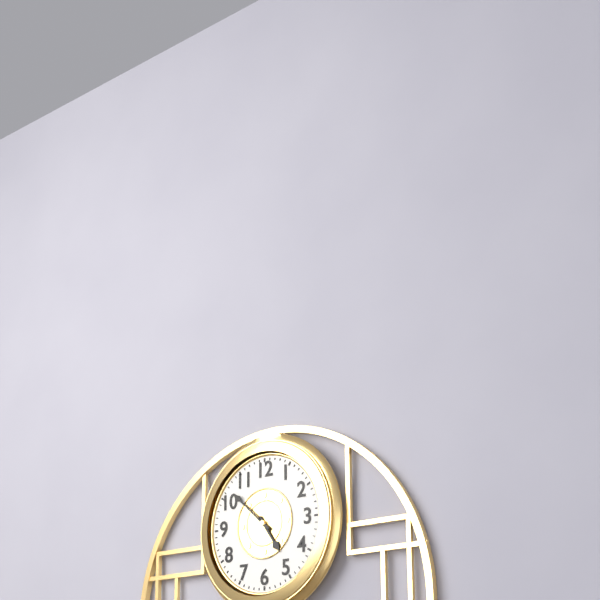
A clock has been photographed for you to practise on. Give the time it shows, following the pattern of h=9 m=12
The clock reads h=4 m=52
